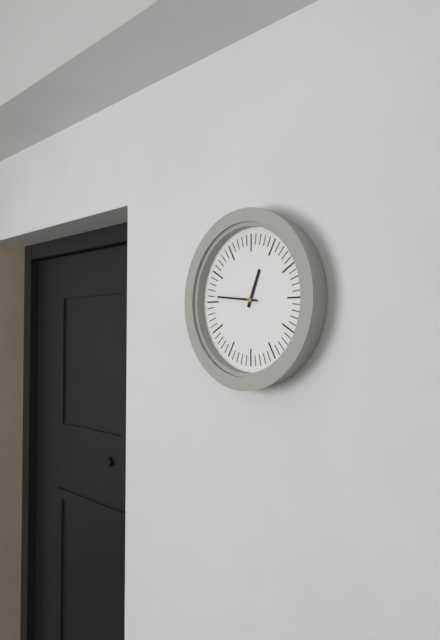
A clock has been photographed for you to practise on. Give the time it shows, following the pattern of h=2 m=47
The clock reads h=12 m=46
